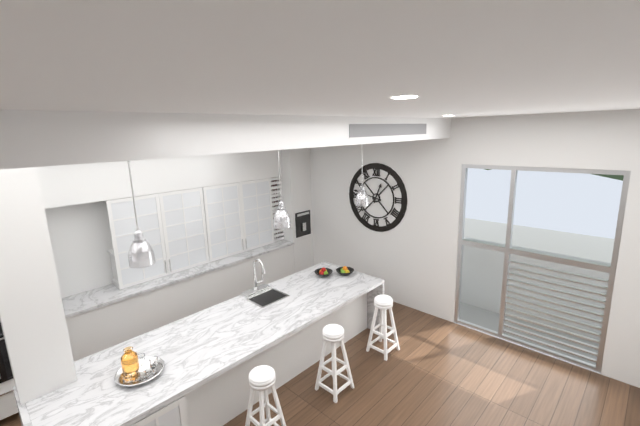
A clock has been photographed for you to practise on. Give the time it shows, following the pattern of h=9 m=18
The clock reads h=12 m=47
